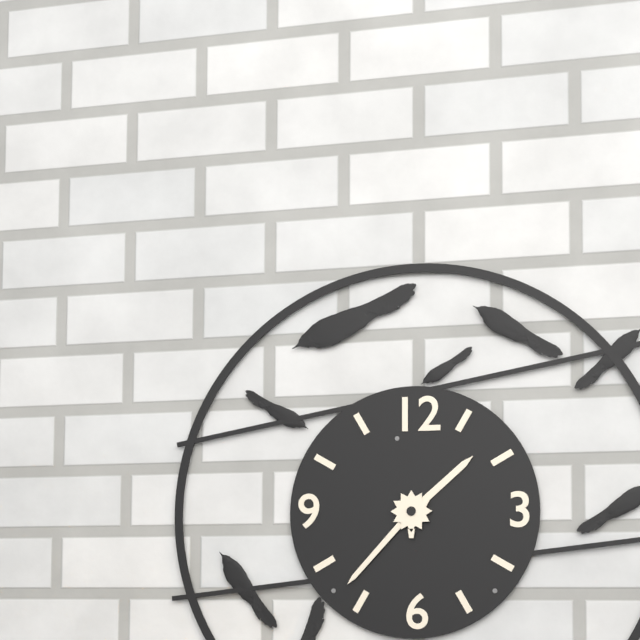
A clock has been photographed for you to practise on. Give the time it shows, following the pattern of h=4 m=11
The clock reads h=1 m=37
